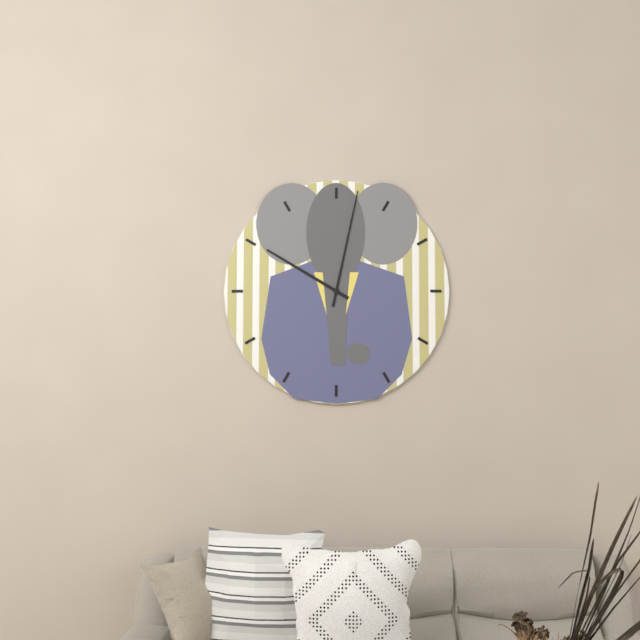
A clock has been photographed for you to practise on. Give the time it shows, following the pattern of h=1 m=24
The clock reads h=10 m=2
